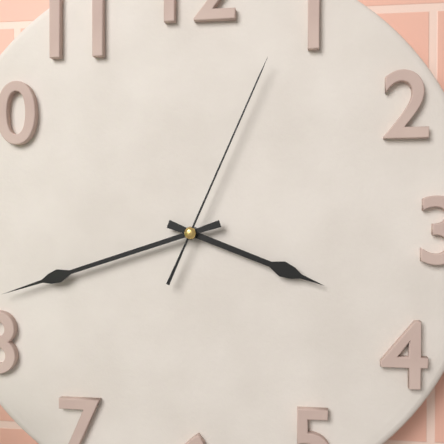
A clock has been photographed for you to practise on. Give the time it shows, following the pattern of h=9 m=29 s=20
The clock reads h=3 m=42 s=4
